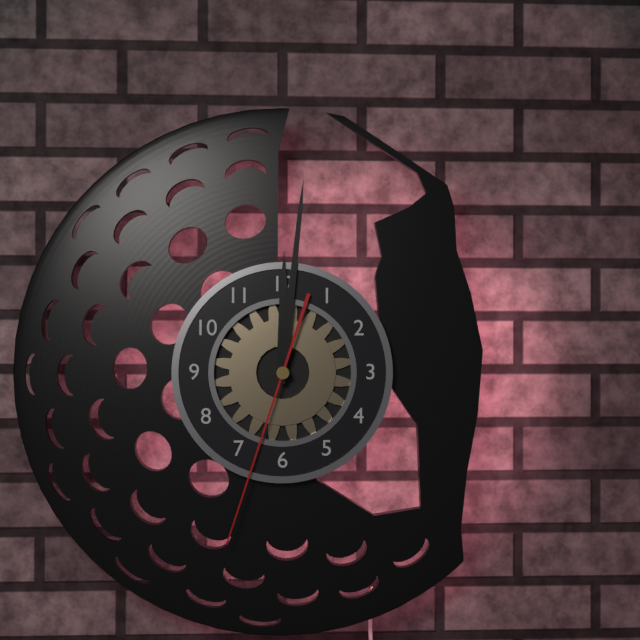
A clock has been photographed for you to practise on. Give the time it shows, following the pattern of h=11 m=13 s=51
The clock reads h=12 m=1 s=33
